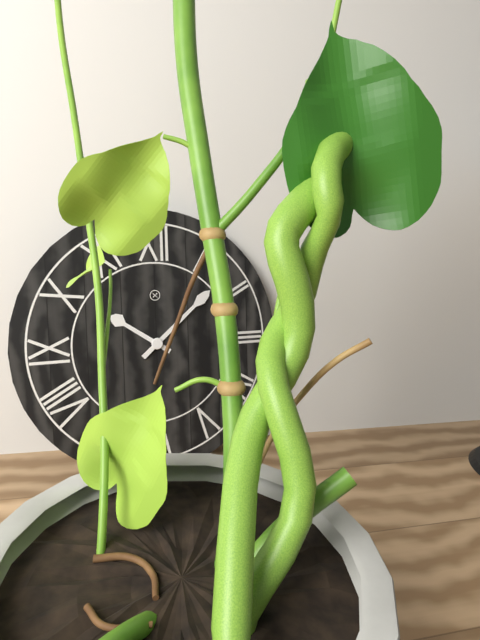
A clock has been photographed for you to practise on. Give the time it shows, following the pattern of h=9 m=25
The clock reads h=10 m=8
